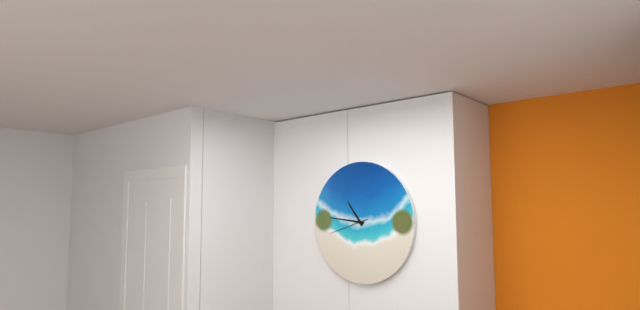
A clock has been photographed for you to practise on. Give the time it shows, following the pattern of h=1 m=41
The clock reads h=10 m=46
